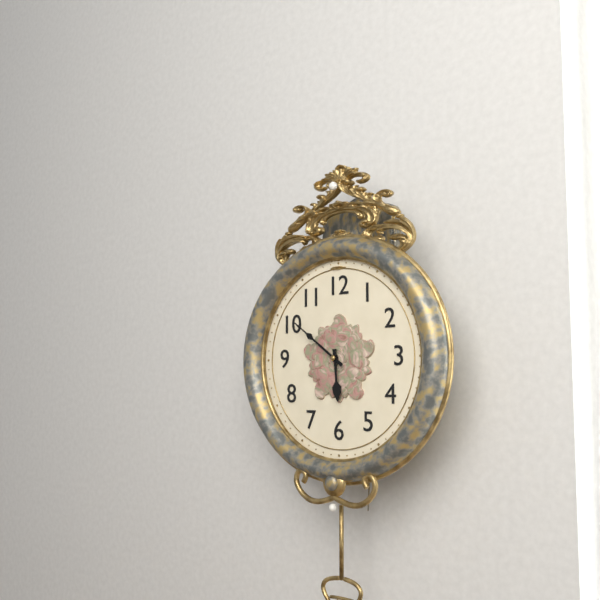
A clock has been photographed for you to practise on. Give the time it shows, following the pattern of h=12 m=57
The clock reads h=5 m=51
